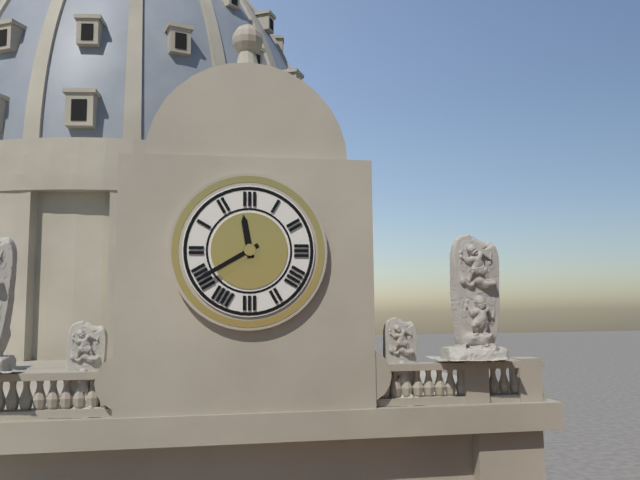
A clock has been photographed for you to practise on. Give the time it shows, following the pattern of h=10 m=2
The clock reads h=11 m=40
